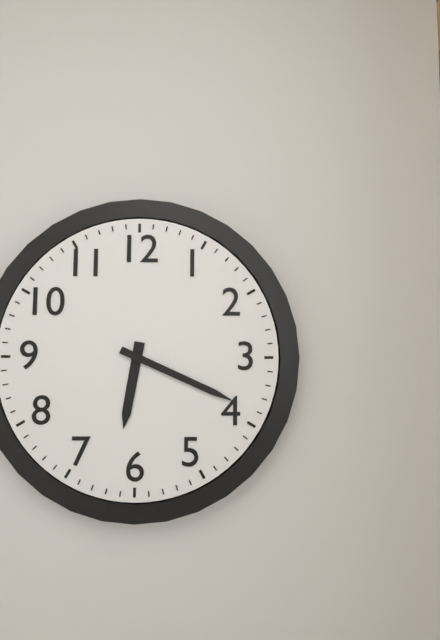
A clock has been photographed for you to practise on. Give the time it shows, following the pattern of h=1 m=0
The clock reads h=6 m=19
